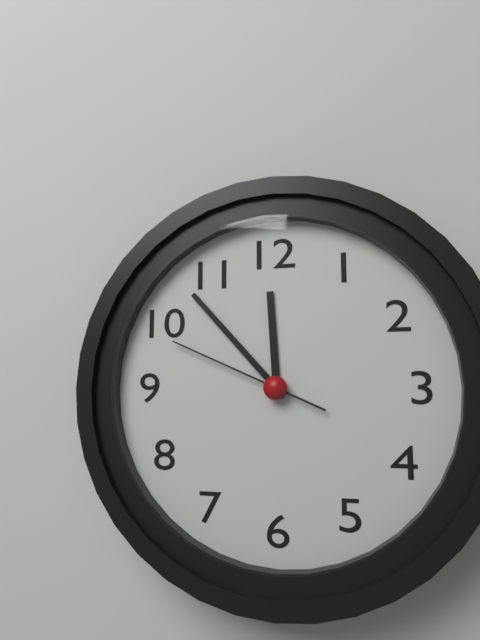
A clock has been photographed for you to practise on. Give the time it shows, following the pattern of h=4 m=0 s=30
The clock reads h=11 m=53 s=49
